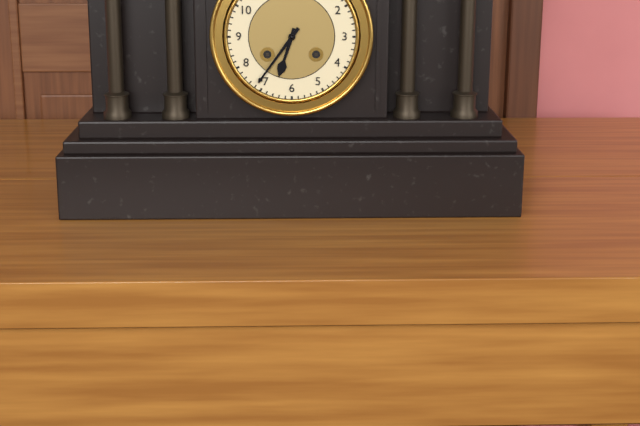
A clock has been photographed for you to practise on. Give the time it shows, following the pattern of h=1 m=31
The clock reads h=6 m=36
